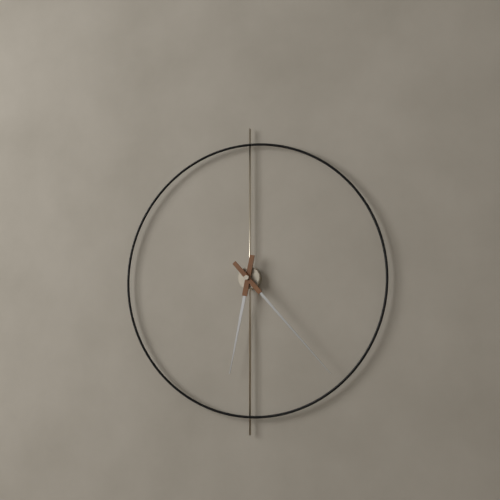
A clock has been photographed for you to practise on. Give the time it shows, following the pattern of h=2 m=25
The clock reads h=6 m=23
